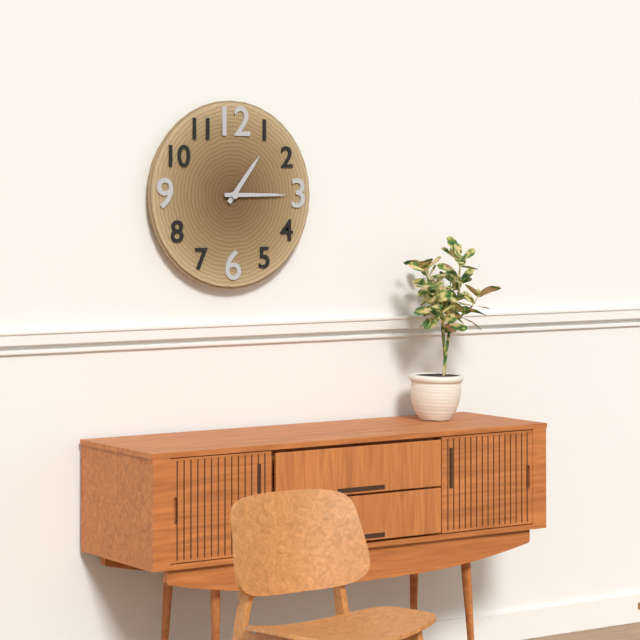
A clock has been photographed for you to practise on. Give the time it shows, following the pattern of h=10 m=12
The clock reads h=1 m=15
